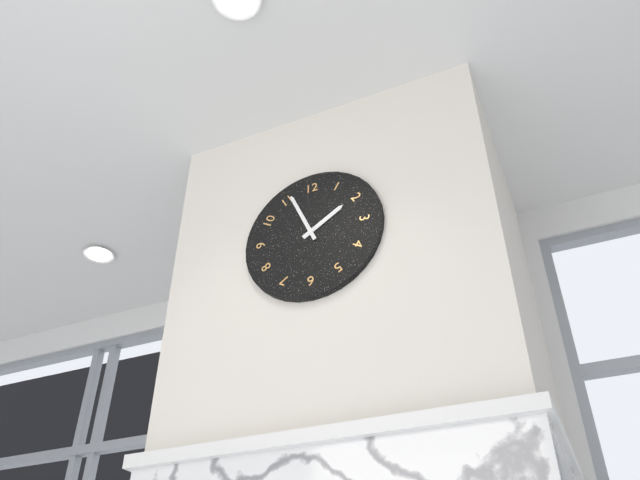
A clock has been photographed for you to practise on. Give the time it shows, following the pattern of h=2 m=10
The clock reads h=1 m=56
